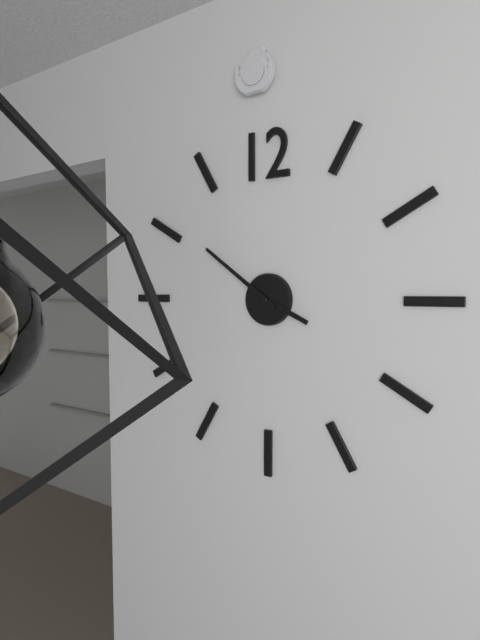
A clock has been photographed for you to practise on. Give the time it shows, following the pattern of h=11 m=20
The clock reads h=3 m=51
